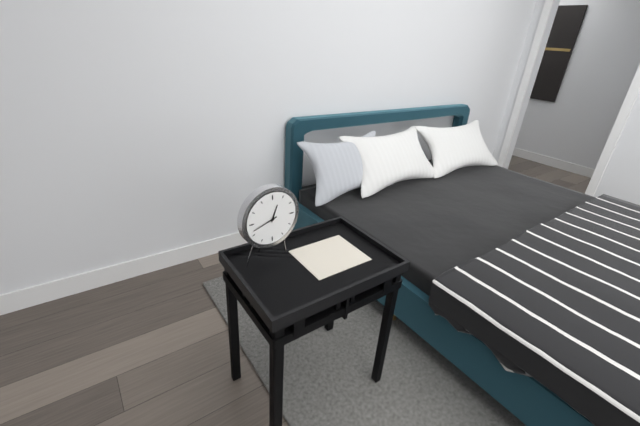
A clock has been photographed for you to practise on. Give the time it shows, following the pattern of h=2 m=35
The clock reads h=12 m=42
